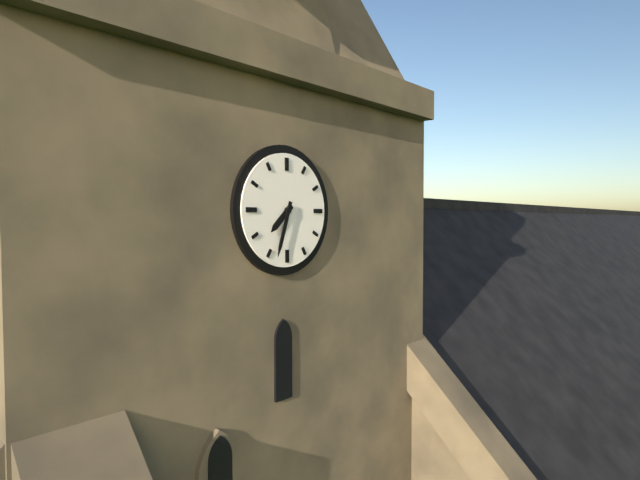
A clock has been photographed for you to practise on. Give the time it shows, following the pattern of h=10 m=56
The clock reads h=7 m=33
